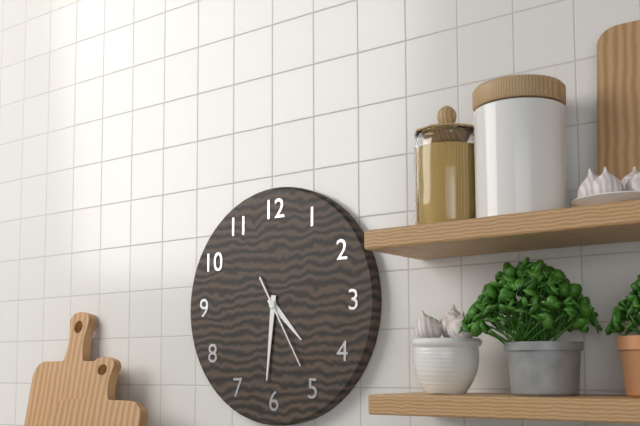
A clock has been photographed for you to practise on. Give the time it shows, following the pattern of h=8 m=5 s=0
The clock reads h=4 m=31 s=25
